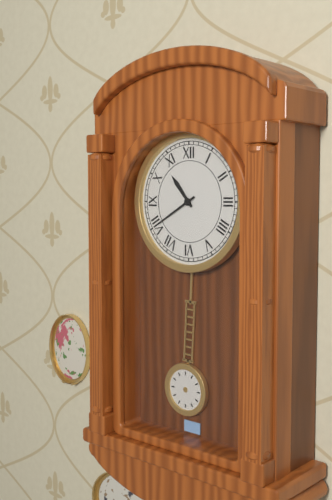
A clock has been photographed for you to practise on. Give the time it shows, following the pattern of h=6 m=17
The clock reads h=10 m=40
